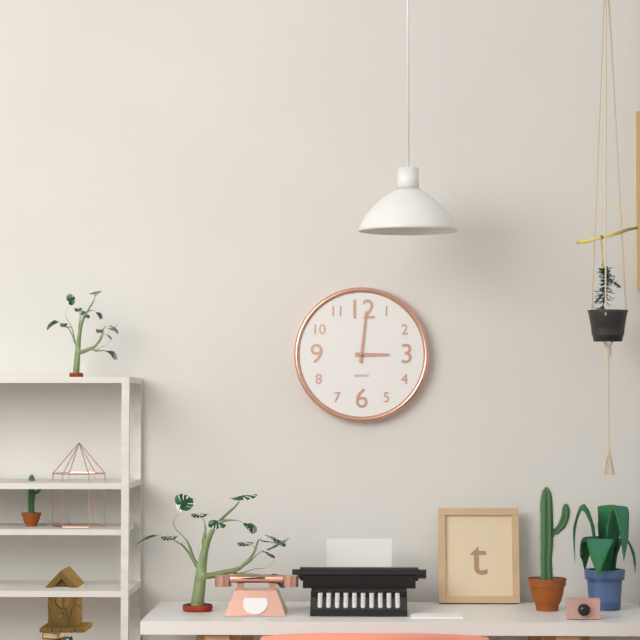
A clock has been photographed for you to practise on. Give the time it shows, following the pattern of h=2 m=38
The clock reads h=3 m=1
